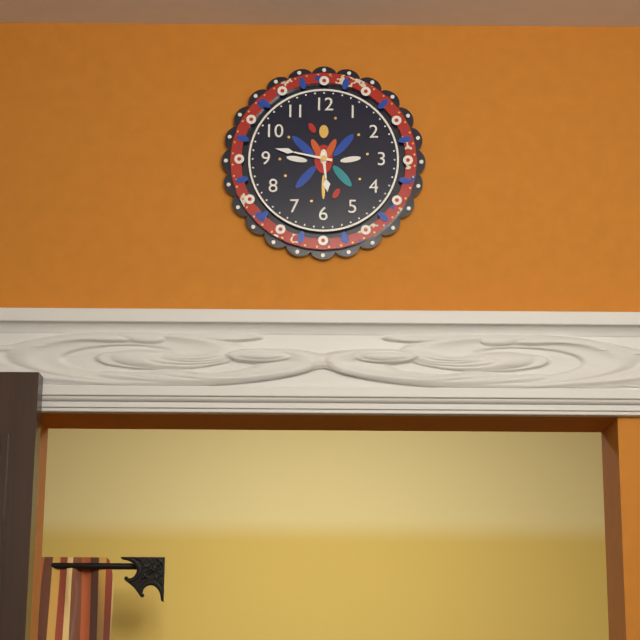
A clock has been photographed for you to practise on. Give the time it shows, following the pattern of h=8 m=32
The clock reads h=5 m=47
